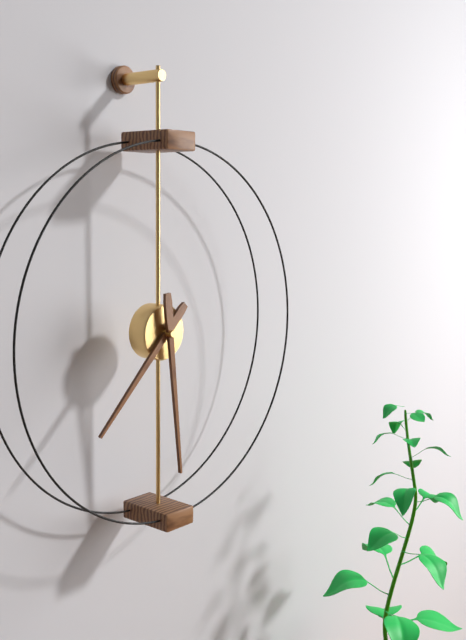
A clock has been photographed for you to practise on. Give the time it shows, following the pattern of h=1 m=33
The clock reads h=7 m=29
